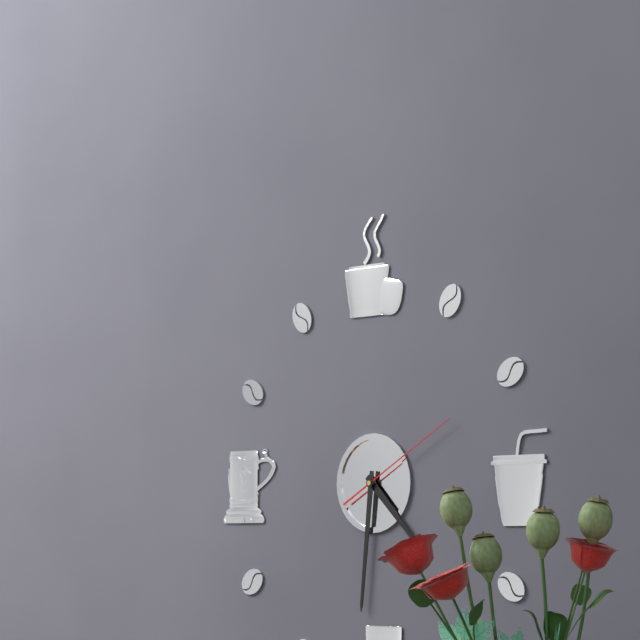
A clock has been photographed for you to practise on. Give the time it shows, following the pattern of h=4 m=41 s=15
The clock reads h=4 m=31 s=10
